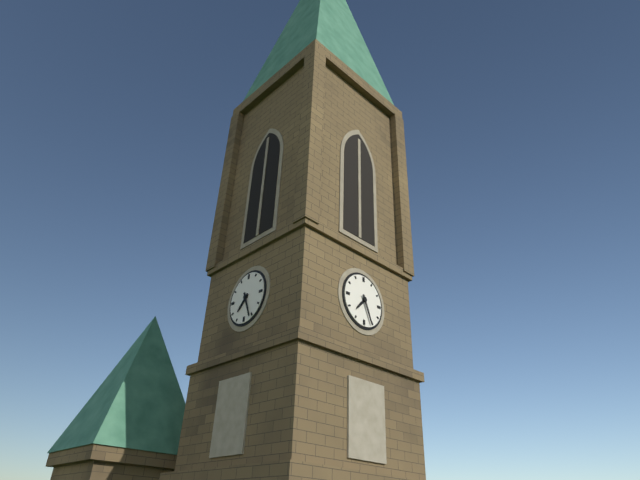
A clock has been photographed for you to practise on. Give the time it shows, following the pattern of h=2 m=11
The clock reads h=7 m=26
